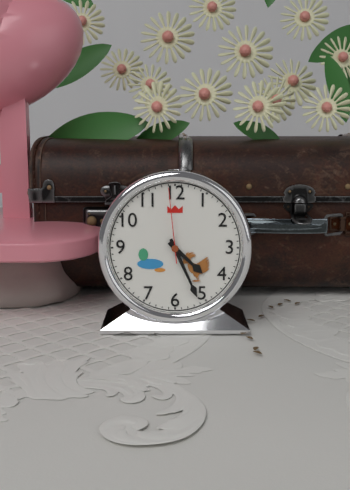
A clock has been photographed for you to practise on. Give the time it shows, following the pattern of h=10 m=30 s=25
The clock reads h=4 m=26 s=59
